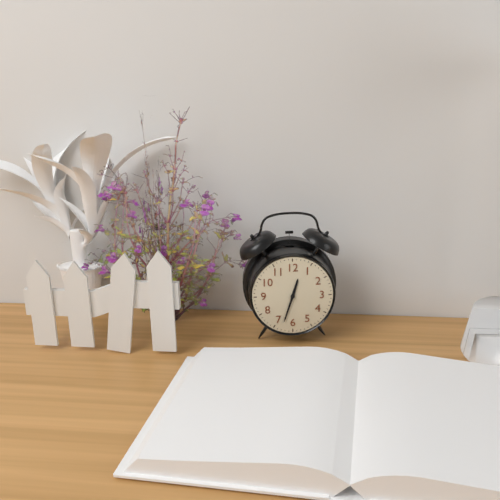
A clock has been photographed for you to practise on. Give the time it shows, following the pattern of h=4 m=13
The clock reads h=12 m=33
